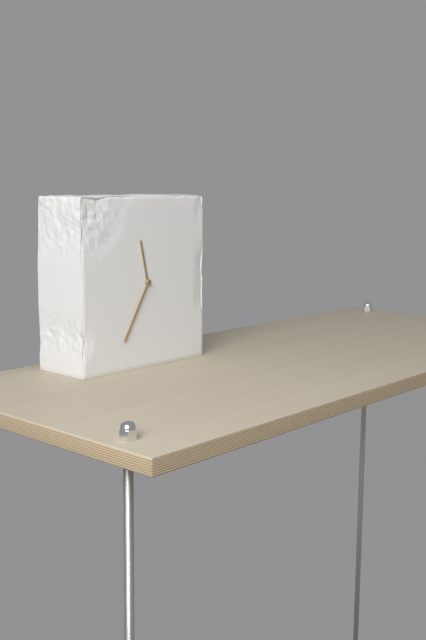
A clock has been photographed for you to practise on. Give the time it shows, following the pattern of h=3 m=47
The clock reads h=11 m=35
